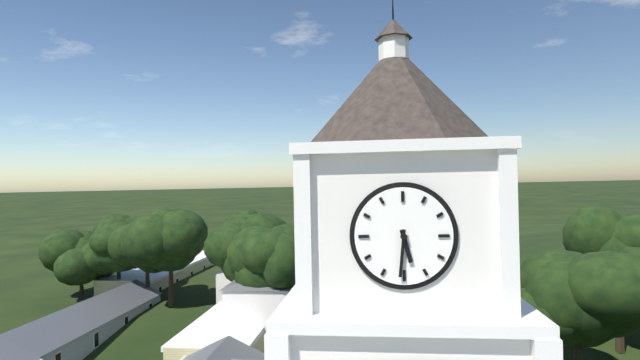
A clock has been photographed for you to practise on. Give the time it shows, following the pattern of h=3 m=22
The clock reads h=5 m=31
